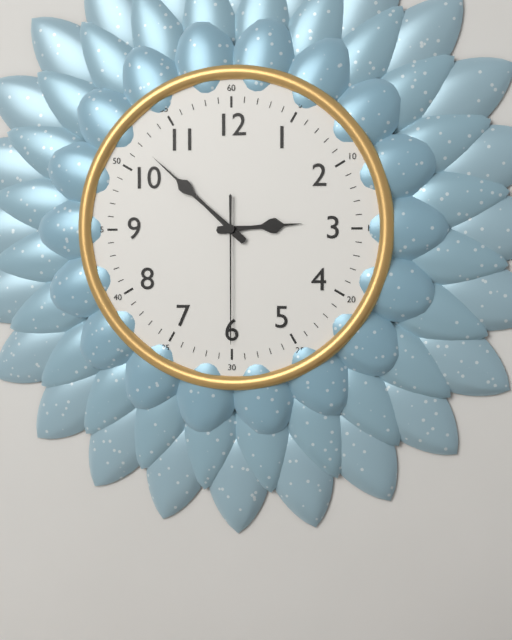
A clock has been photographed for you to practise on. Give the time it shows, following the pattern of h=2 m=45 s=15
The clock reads h=2 m=52 s=30
